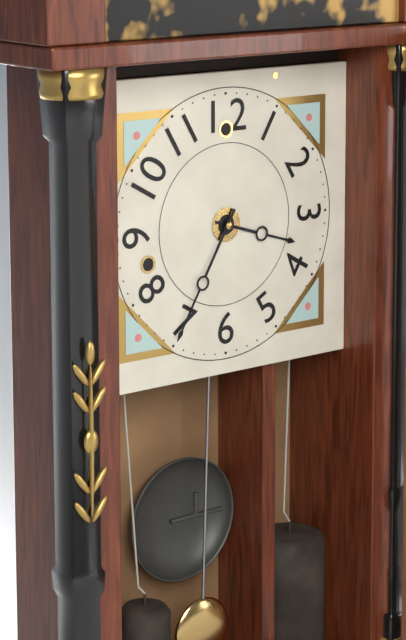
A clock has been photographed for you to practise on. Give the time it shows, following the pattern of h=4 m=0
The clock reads h=3 m=35
